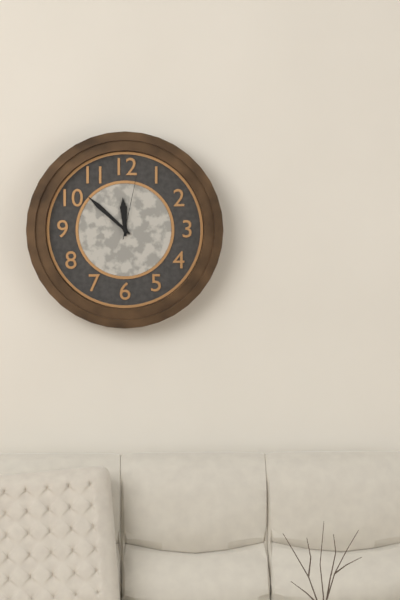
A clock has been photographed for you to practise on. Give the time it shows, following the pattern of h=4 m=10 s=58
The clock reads h=11 m=52 s=2
